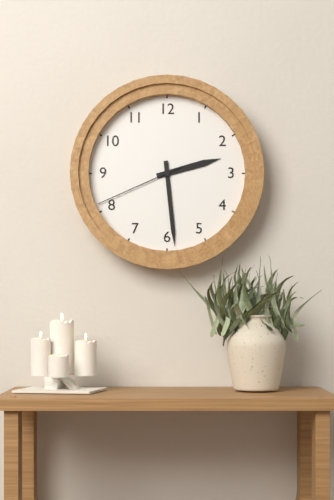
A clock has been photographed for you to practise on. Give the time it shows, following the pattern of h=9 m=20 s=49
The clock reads h=2 m=29 s=41
